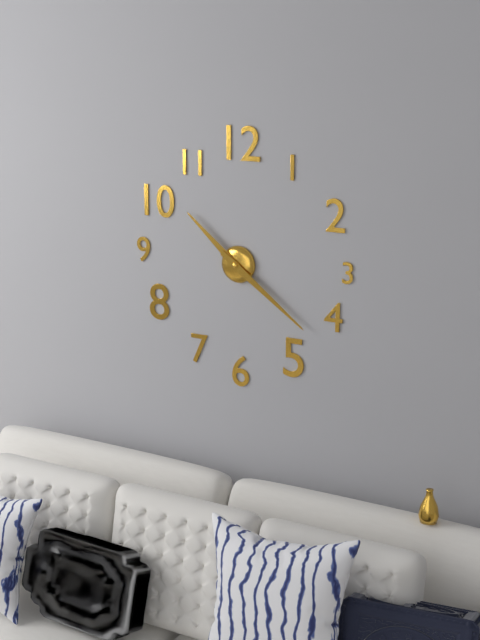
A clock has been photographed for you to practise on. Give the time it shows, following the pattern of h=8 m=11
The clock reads h=10 m=21
